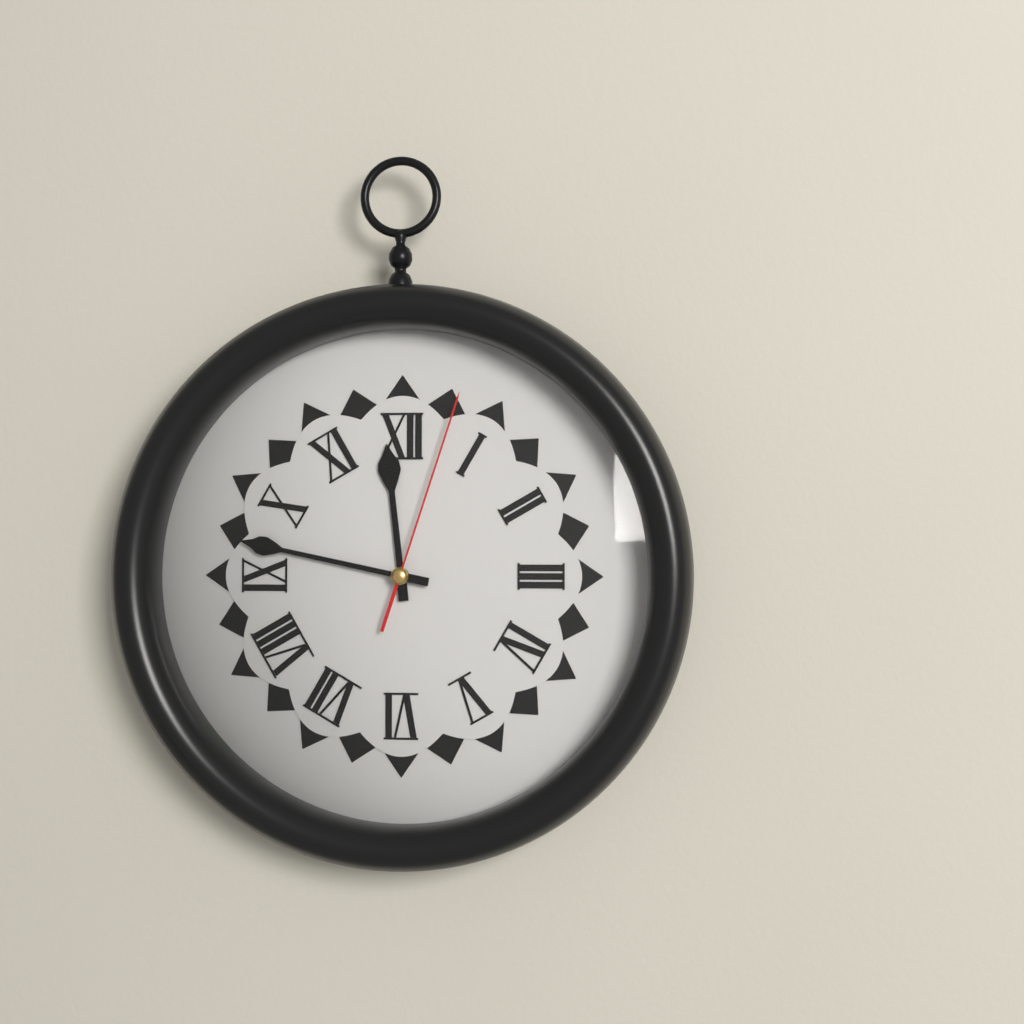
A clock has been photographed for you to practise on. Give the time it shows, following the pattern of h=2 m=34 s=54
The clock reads h=11 m=47 s=3
